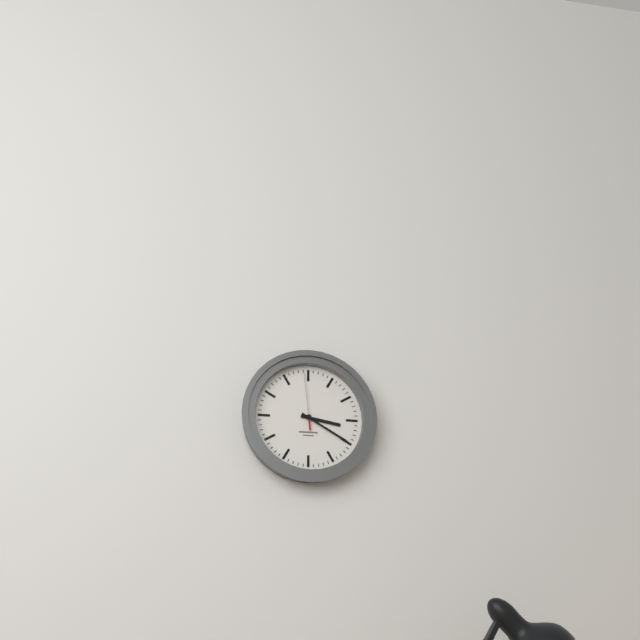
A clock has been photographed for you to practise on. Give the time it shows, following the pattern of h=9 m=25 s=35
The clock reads h=3 m=20 s=59
